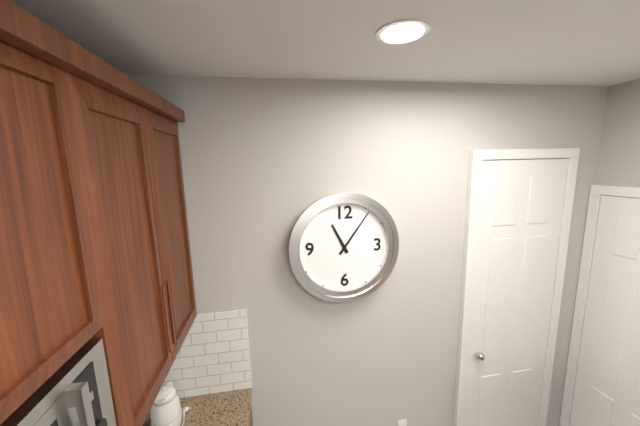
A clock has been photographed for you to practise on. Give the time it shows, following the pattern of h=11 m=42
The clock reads h=11 m=6
